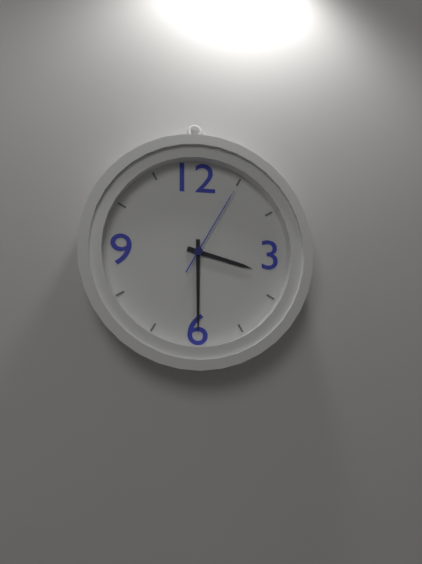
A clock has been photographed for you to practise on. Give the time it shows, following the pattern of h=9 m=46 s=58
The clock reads h=3 m=30 s=5
